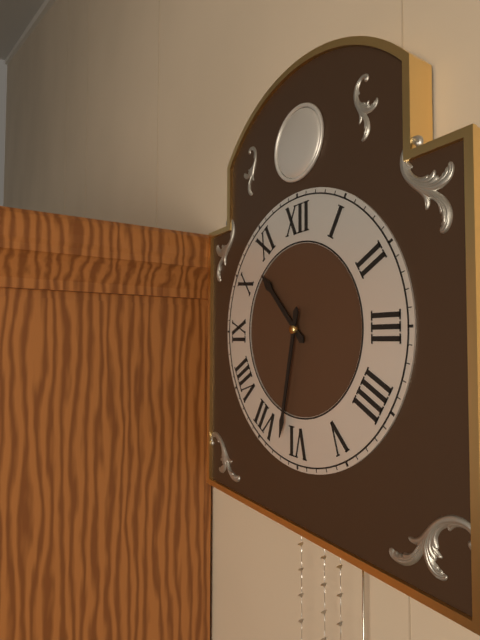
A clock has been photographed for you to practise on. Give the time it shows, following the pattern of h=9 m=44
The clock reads h=10 m=32
